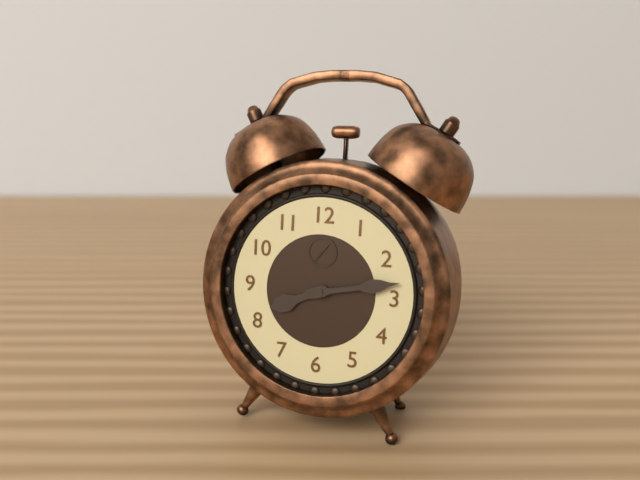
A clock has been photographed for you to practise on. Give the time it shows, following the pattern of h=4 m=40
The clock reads h=8 m=13
